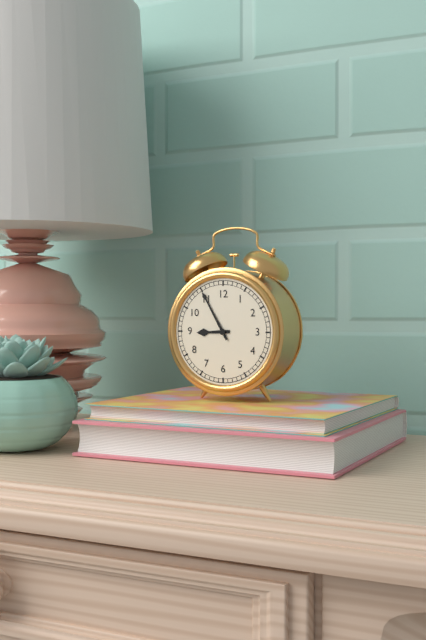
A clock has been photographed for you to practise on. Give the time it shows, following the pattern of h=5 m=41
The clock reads h=8 m=55
